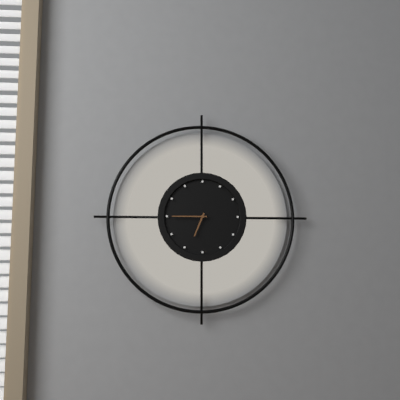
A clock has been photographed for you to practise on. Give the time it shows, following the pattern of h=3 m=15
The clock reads h=6 m=45
